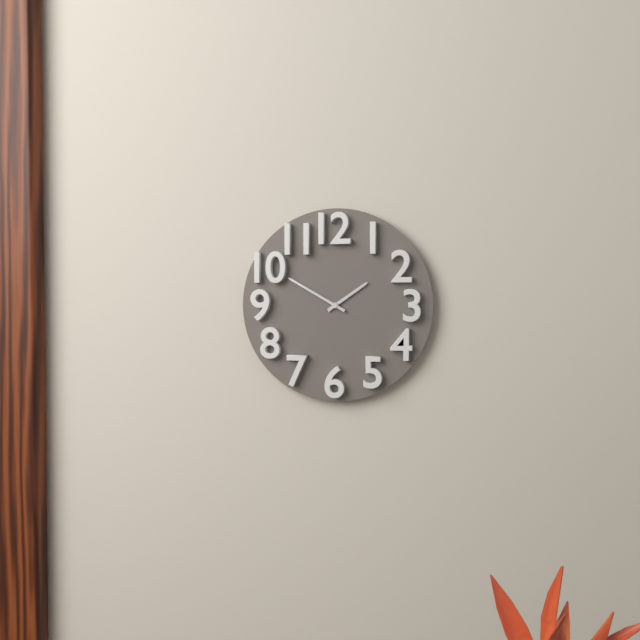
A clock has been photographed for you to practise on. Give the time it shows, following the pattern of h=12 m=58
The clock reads h=1 m=50
